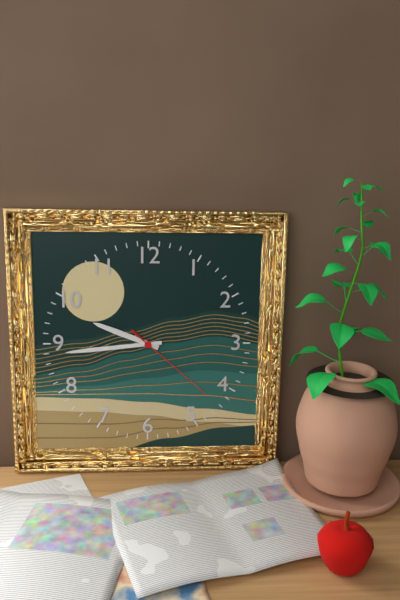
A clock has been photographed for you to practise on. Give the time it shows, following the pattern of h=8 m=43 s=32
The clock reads h=9 m=44 s=22
